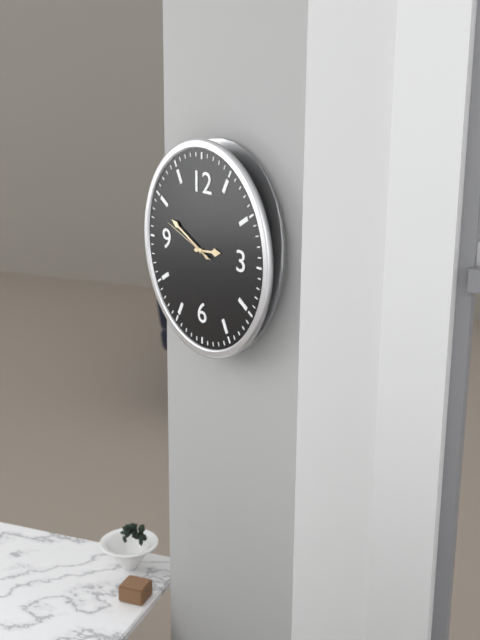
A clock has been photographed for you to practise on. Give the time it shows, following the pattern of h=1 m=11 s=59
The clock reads h=2 m=49 s=48
